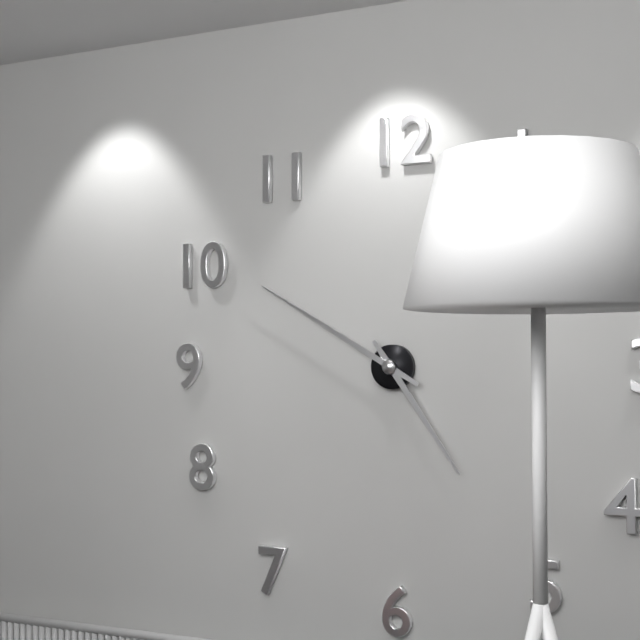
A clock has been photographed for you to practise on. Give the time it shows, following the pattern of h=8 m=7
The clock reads h=4 m=50
